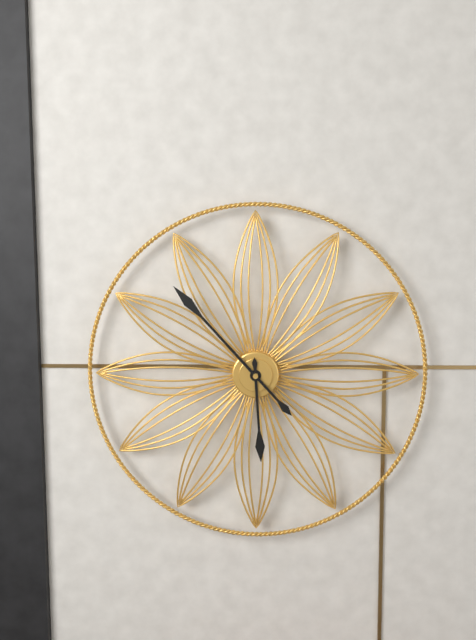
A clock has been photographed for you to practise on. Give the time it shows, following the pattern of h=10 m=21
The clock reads h=5 m=53
